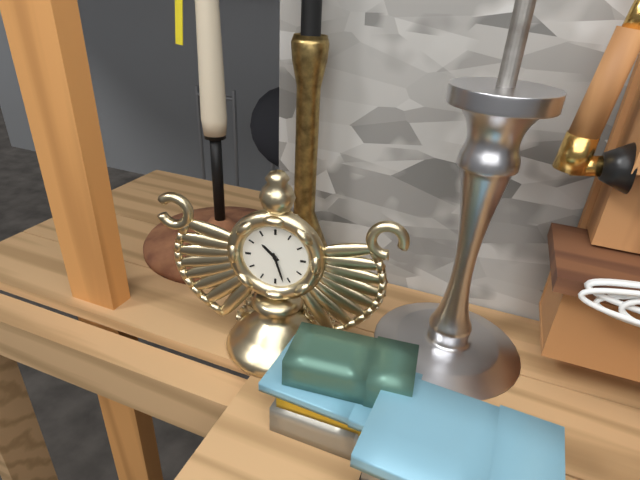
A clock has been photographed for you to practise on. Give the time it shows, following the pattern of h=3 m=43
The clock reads h=10 m=27
